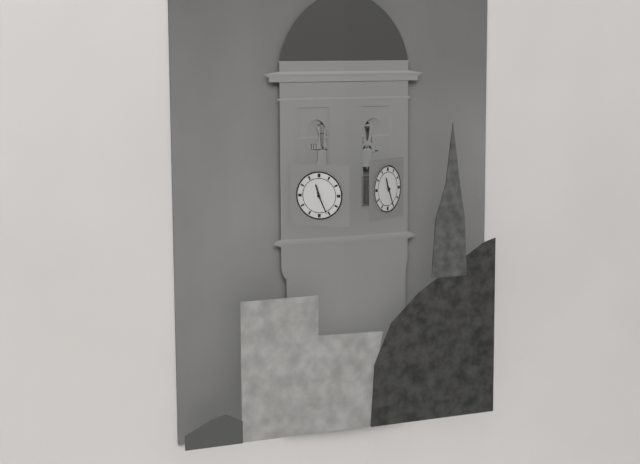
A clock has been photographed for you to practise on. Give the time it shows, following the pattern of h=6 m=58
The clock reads h=11 m=26
